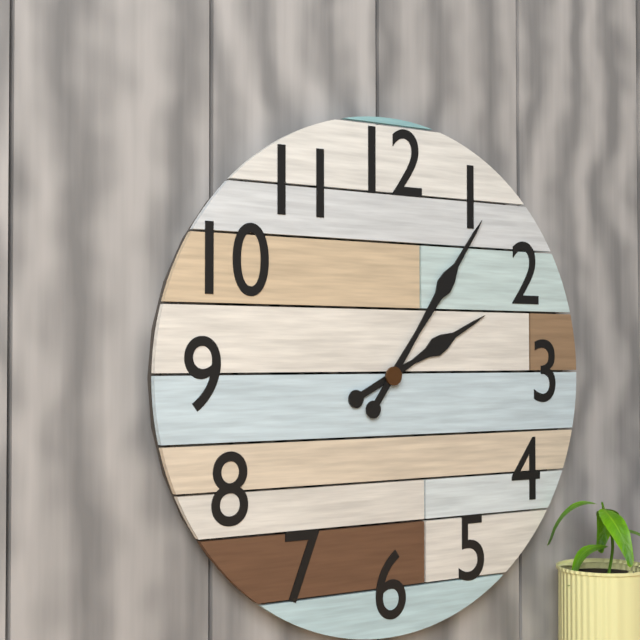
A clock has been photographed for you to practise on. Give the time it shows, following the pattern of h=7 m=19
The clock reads h=2 m=6
